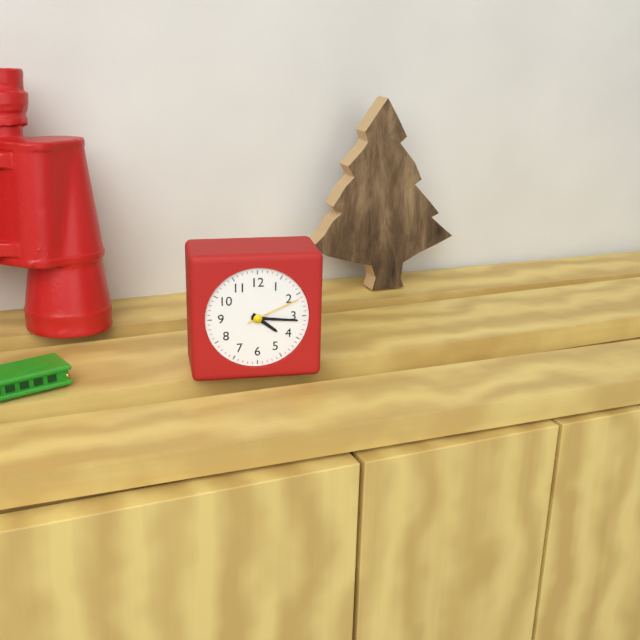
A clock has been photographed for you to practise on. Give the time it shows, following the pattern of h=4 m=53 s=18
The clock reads h=4 m=16 s=11
